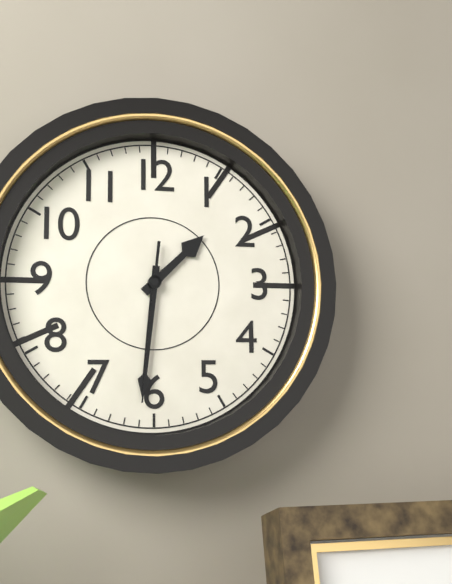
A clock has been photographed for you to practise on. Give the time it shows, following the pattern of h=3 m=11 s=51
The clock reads h=1 m=31 s=31
